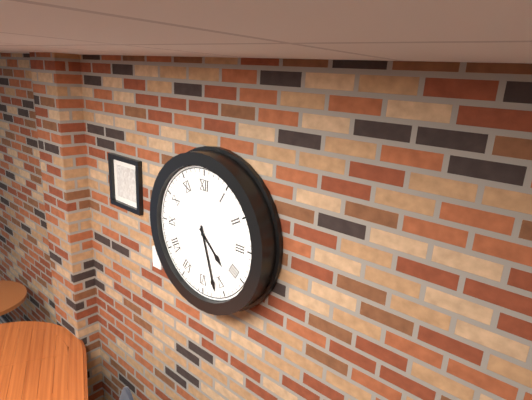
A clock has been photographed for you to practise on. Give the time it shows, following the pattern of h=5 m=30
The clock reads h=4 m=27
